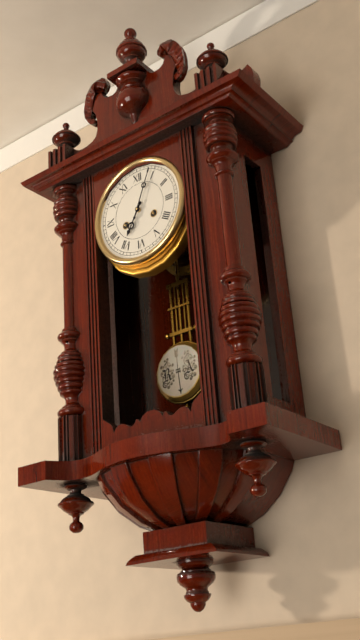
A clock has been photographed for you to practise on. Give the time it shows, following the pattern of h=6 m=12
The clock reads h=7 m=4
